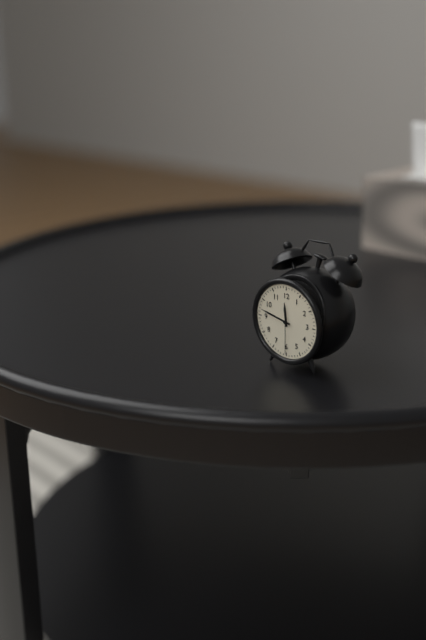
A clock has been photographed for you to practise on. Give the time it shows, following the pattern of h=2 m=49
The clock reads h=11 m=47
